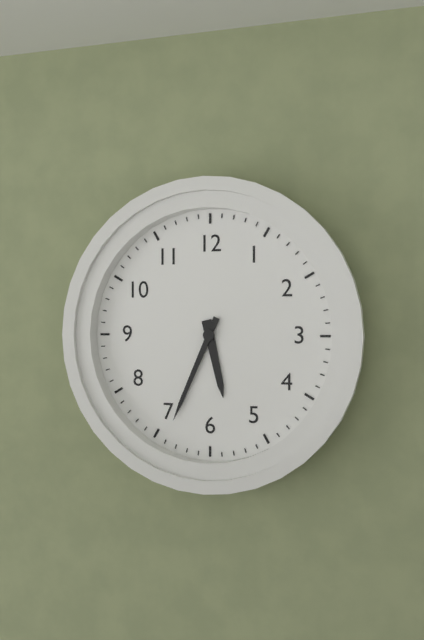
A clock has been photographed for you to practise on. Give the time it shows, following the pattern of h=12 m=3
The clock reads h=5 m=34
